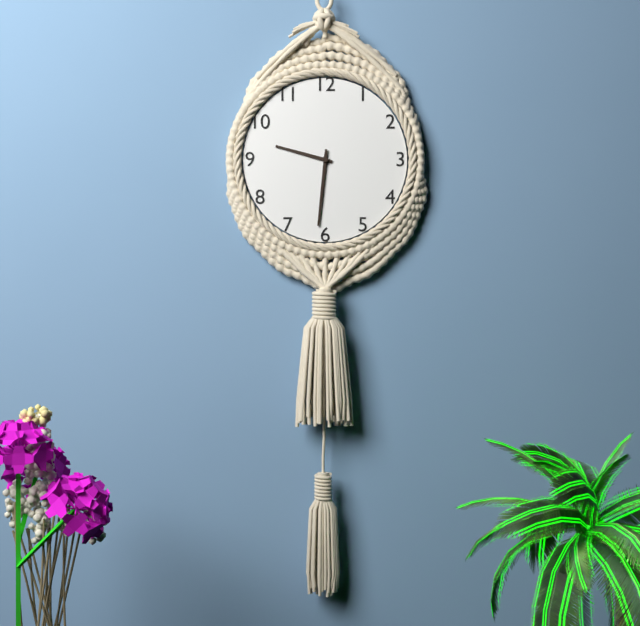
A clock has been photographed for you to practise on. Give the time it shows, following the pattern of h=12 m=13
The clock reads h=9 m=31
